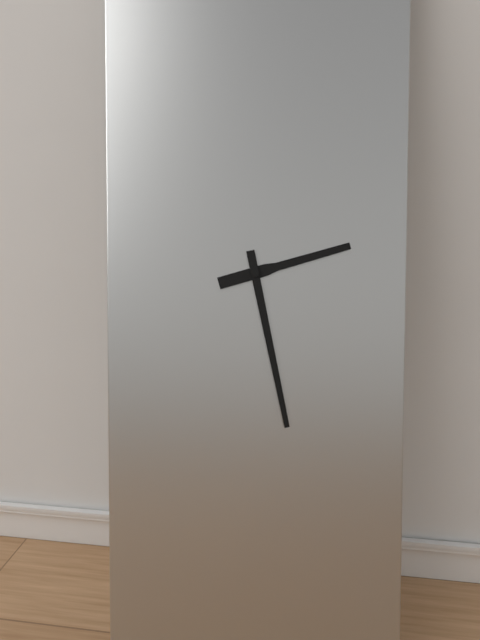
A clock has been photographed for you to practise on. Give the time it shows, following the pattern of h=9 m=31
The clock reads h=2 m=28
